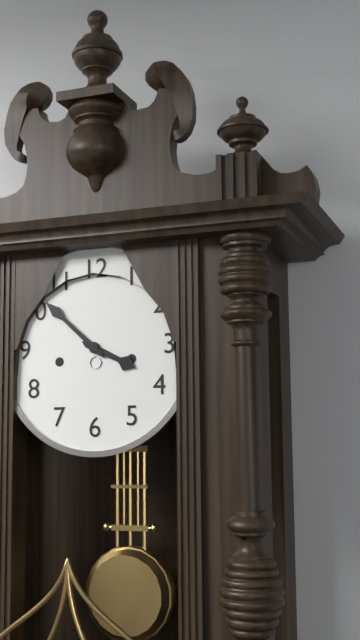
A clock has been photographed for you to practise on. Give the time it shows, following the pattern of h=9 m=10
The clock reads h=3 m=52
